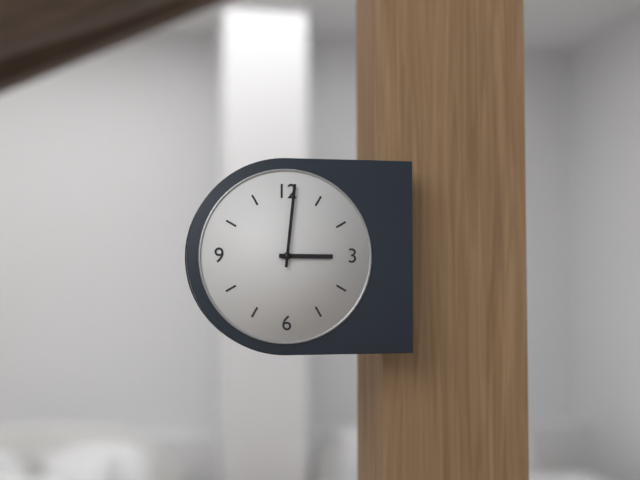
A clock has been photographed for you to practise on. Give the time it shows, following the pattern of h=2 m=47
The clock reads h=3 m=1
